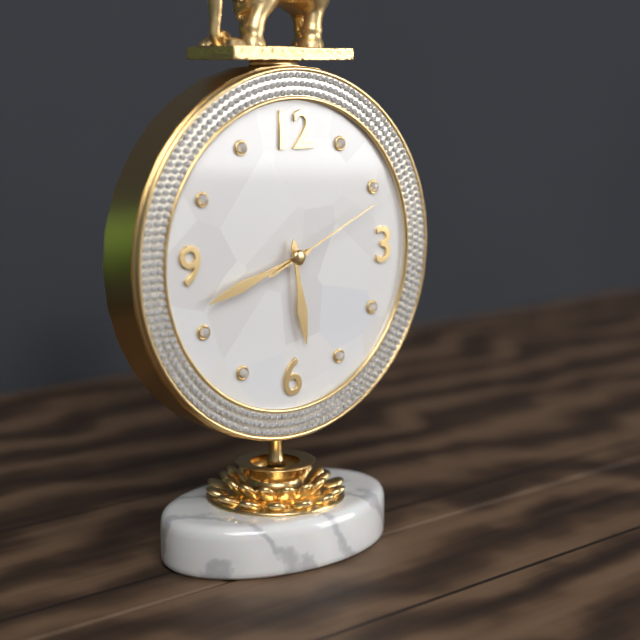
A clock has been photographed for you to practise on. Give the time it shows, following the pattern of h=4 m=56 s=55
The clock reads h=5 m=42 s=11
